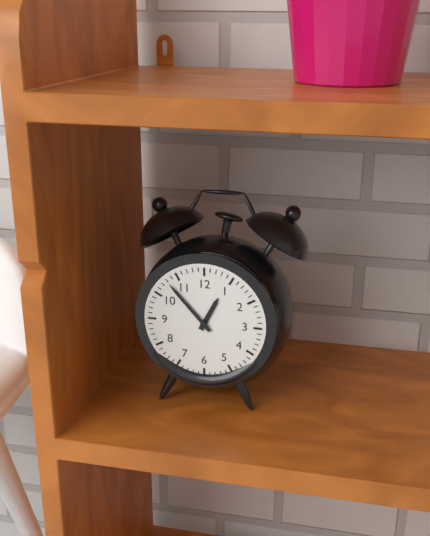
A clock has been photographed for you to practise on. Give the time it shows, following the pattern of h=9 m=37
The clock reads h=12 m=53
